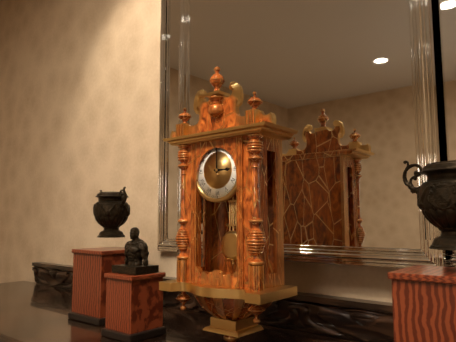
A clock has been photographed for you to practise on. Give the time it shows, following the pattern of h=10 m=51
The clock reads h=3 m=0
